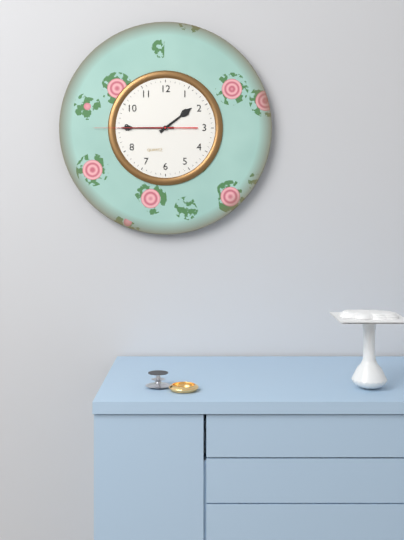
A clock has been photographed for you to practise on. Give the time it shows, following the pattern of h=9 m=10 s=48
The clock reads h=1 m=45 s=45
